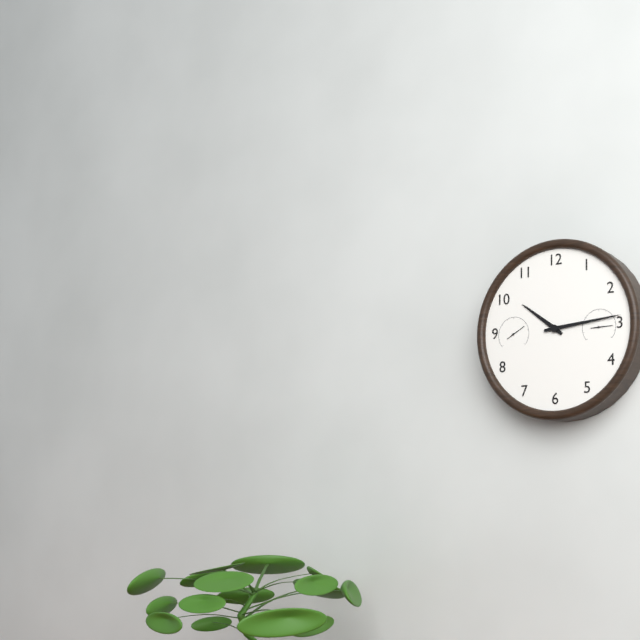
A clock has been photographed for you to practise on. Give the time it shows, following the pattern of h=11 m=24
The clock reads h=10 m=14
